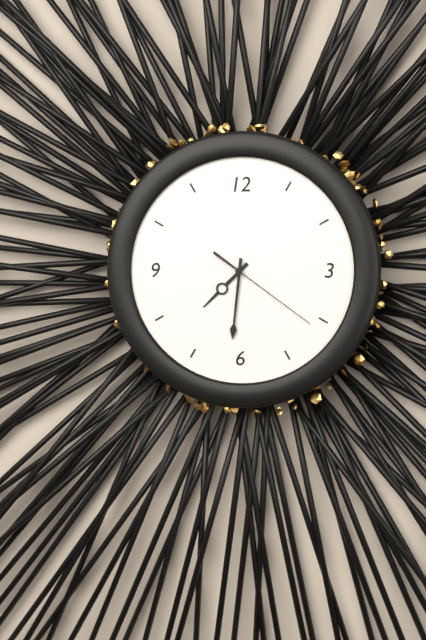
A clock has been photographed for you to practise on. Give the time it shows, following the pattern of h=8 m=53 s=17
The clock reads h=7 m=31 s=21
